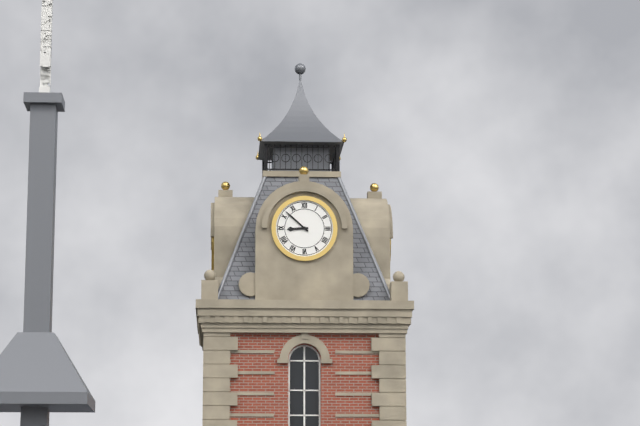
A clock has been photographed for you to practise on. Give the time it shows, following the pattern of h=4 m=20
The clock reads h=8 m=52
